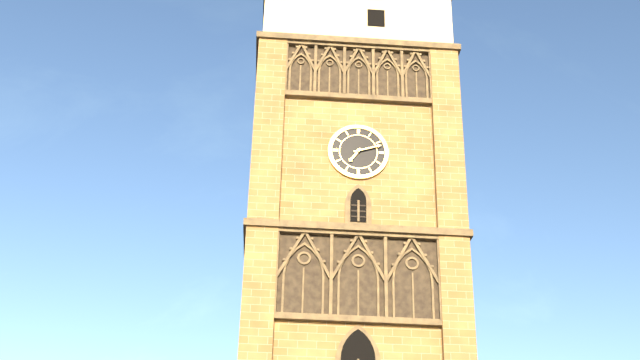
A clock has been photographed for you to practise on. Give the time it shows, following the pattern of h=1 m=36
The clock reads h=7 m=12
